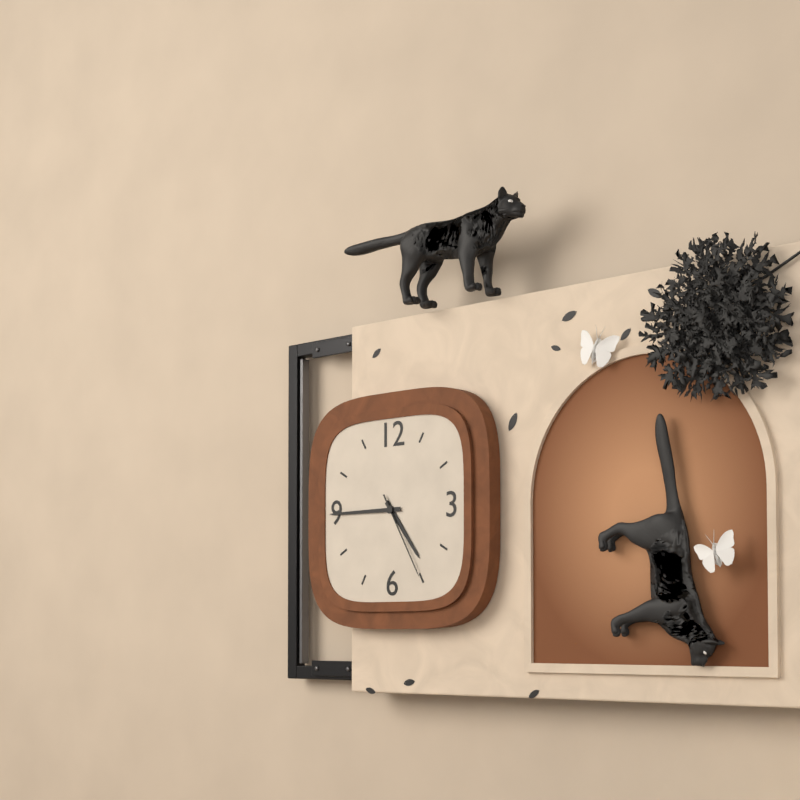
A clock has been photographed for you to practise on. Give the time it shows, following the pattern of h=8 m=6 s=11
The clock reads h=4 m=45 s=25
